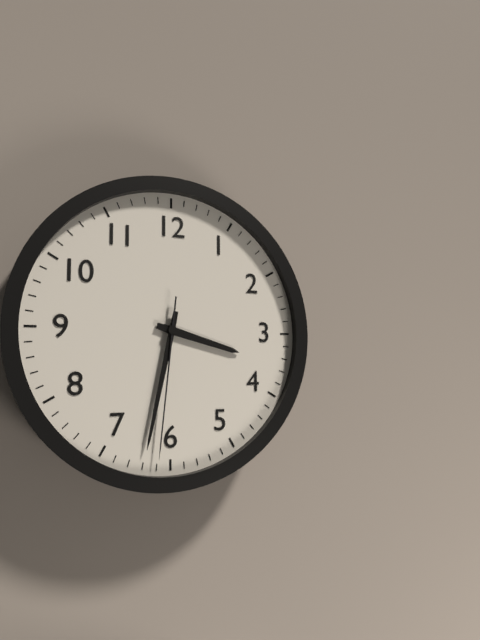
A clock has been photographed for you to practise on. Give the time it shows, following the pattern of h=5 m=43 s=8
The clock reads h=3 m=32 s=31
